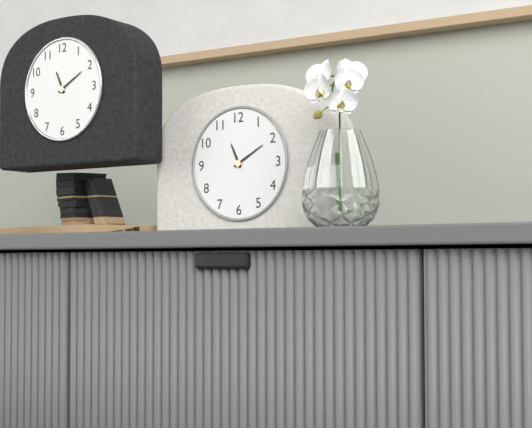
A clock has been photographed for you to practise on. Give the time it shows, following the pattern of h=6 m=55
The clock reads h=11 m=10
